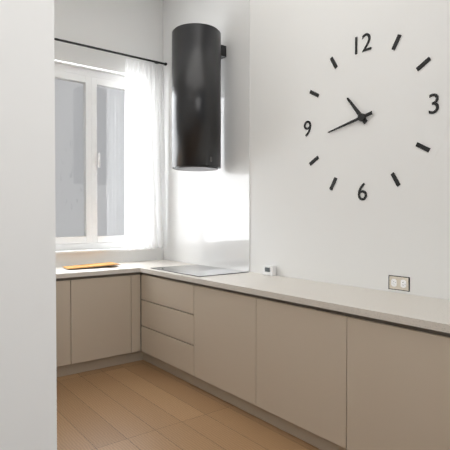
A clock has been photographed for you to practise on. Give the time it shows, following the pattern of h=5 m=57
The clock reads h=10 m=43
